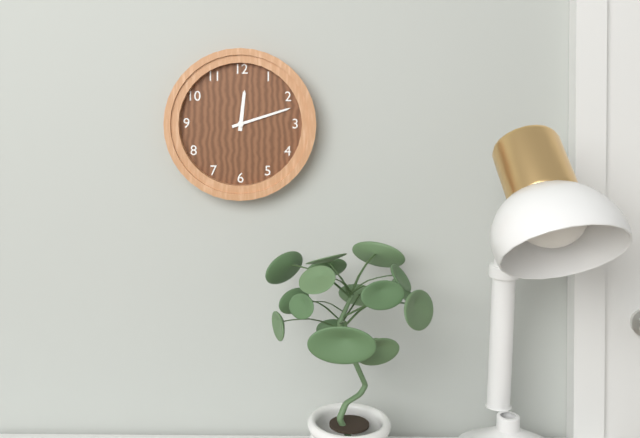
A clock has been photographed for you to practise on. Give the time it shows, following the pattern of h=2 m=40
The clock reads h=12 m=12
